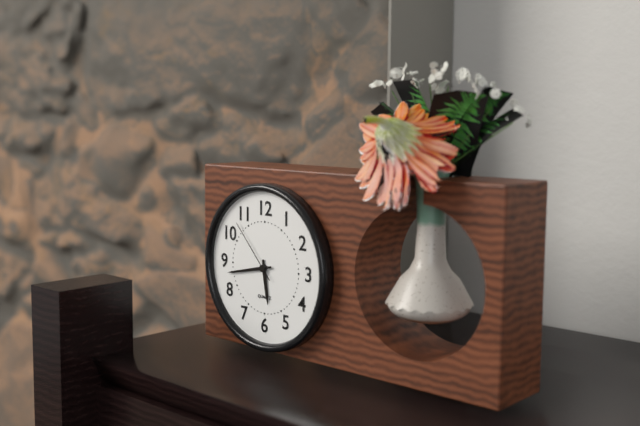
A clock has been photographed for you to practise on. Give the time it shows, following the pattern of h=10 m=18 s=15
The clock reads h=5 m=43 s=53
